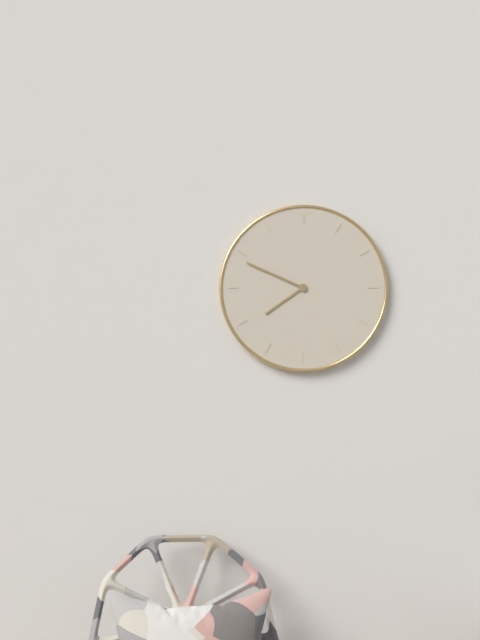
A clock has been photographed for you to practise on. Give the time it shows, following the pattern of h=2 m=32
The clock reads h=7 m=49
